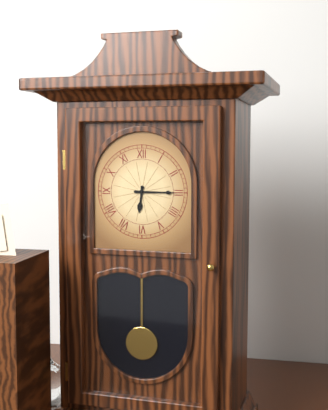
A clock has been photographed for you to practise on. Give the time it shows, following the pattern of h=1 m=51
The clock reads h=6 m=15
